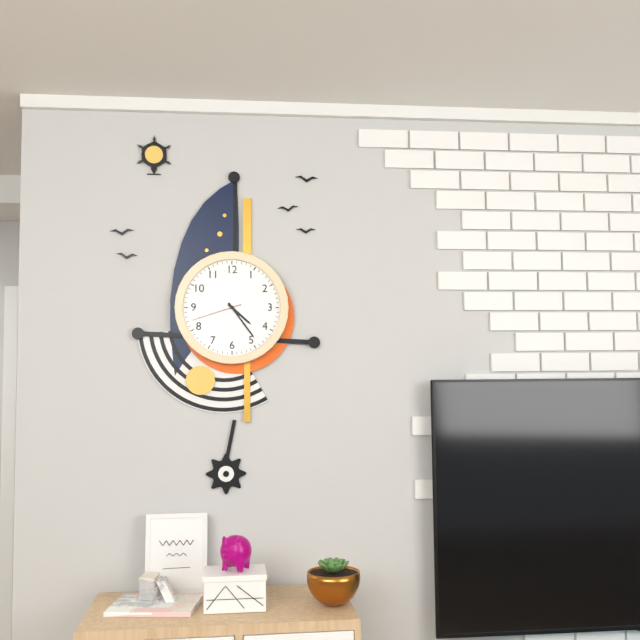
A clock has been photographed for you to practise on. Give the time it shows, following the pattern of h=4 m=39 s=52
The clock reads h=4 m=24 s=42
